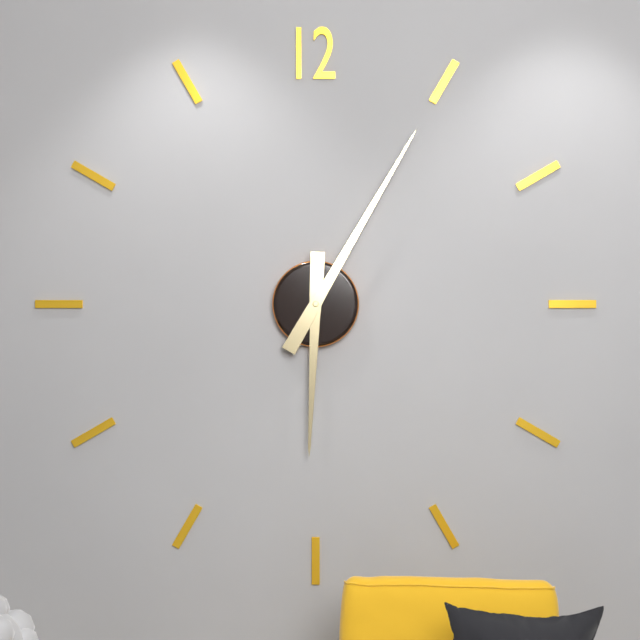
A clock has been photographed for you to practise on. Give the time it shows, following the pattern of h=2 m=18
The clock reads h=6 m=5
